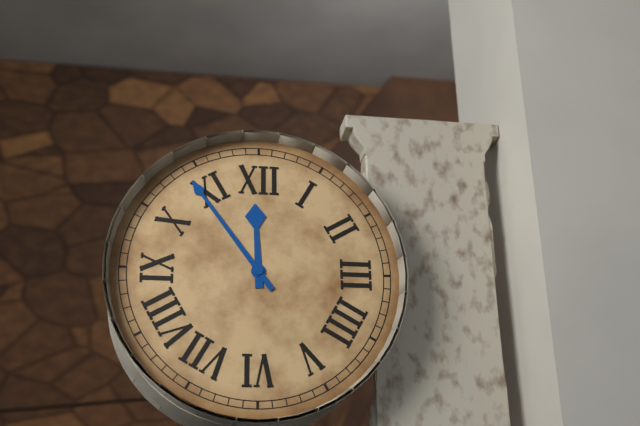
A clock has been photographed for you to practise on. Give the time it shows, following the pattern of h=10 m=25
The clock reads h=11 m=54
